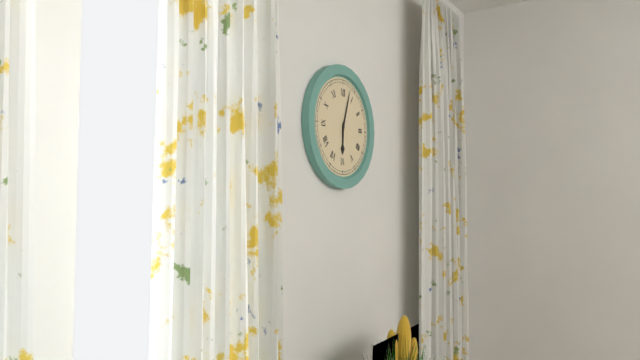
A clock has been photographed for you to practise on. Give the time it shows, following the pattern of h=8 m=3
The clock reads h=6 m=3
